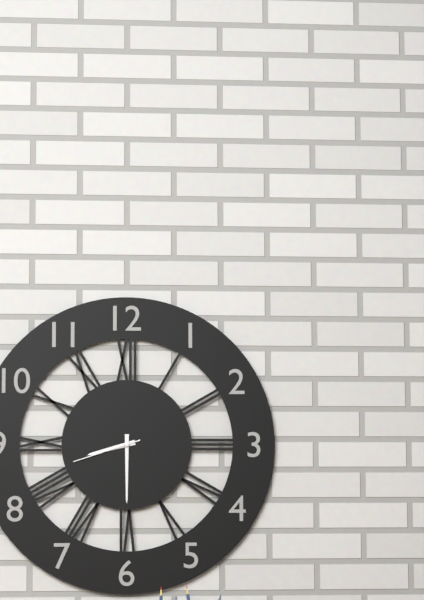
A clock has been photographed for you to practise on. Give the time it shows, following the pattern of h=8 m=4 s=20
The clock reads h=8 m=30 s=42
